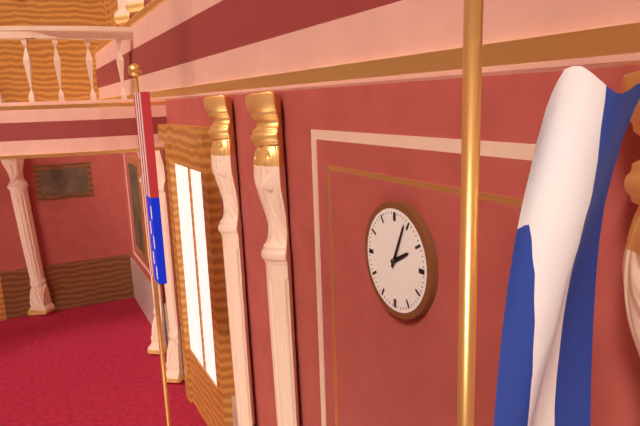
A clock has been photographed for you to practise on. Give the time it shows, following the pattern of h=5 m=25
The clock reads h=2 m=4
